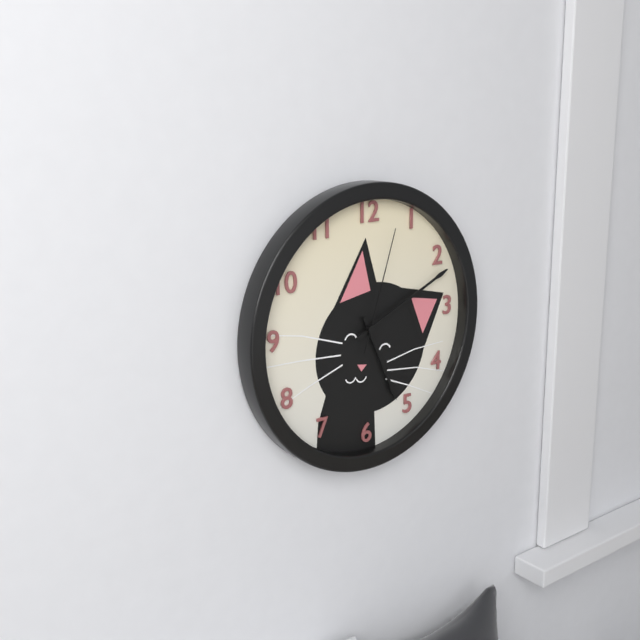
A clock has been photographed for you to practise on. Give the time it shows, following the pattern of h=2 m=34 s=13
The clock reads h=5 m=11 s=3
